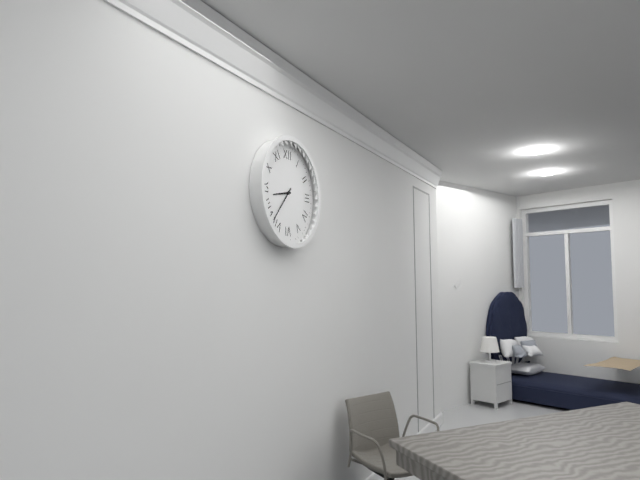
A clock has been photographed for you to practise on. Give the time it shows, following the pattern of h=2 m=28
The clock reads h=8 m=37
